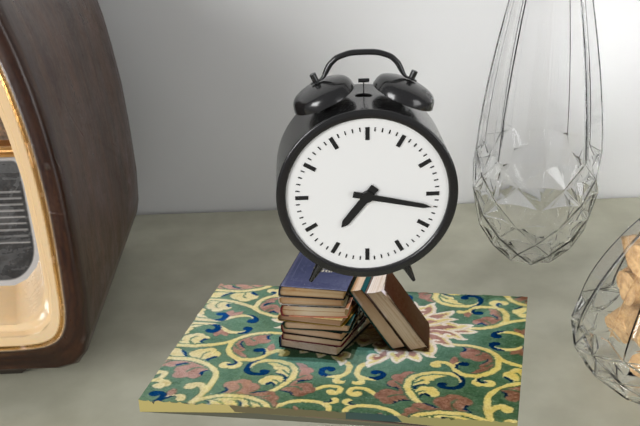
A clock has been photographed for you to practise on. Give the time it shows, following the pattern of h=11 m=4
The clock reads h=7 m=17
